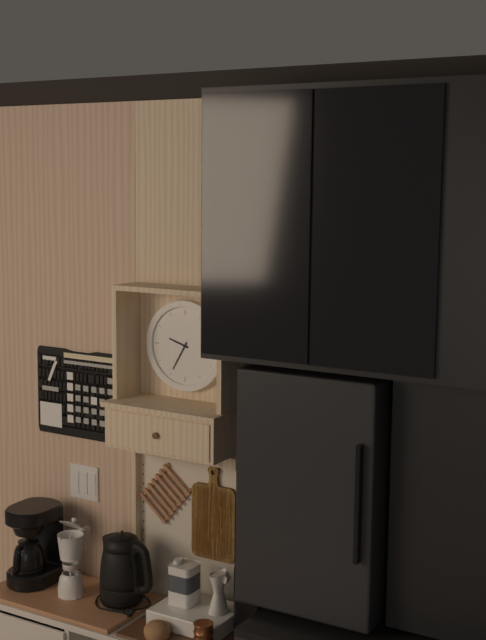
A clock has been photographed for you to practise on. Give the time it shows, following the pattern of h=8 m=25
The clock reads h=9 m=35
